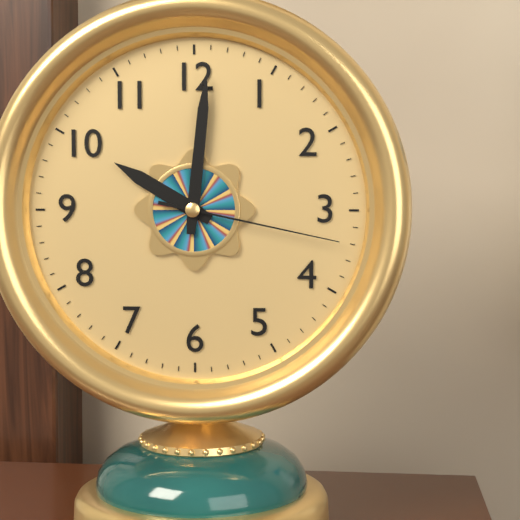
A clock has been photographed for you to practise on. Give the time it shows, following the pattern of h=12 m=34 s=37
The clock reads h=10 m=1 s=17
